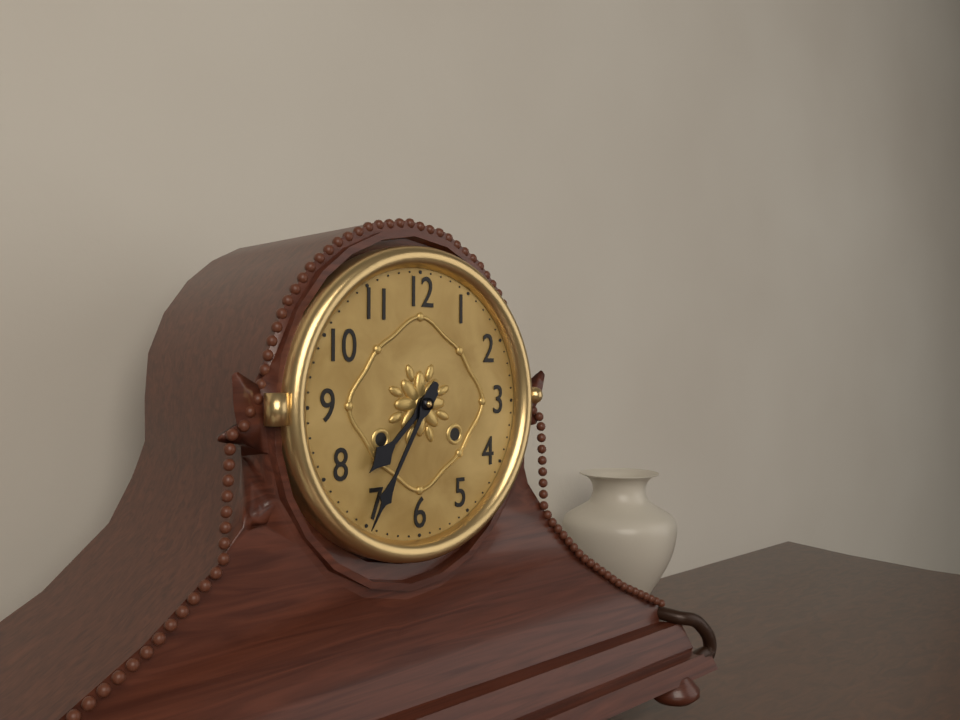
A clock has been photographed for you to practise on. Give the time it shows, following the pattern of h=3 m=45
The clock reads h=7 m=35
